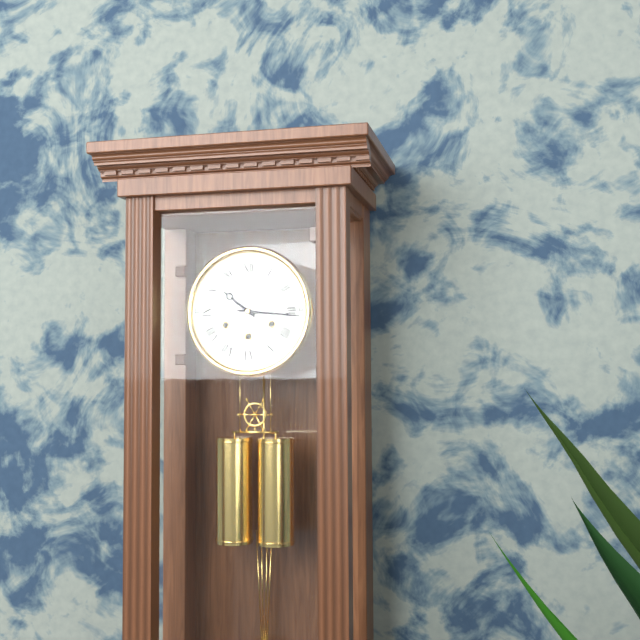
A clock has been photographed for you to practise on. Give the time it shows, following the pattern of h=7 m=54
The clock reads h=10 m=16
